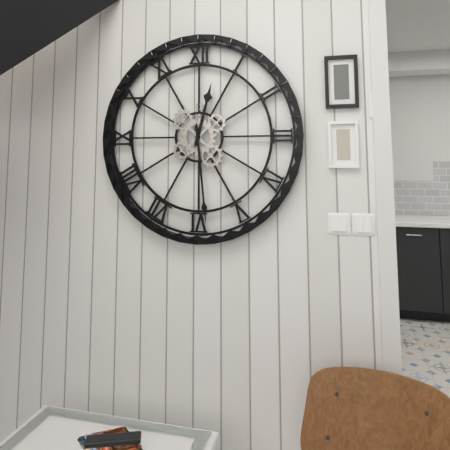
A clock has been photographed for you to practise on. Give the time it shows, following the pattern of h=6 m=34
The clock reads h=12 m=29
